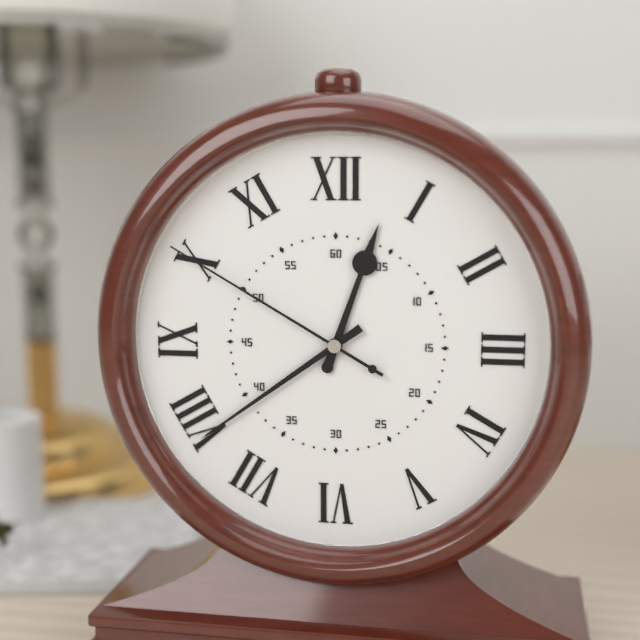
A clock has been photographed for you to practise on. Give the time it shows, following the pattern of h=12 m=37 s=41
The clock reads h=12 m=39 s=50
